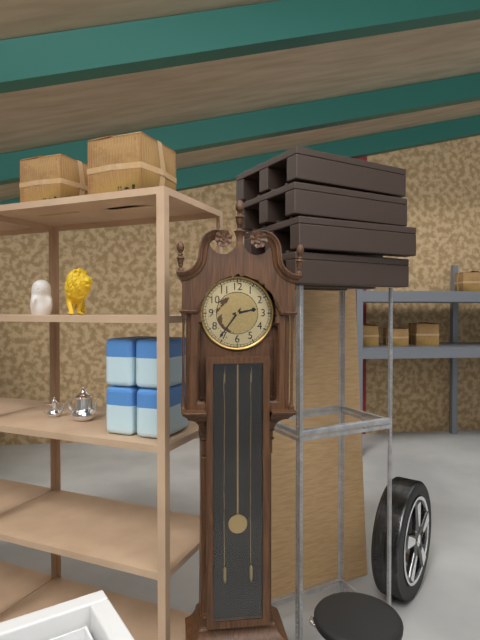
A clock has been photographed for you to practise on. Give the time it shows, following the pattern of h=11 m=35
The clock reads h=2 m=36
